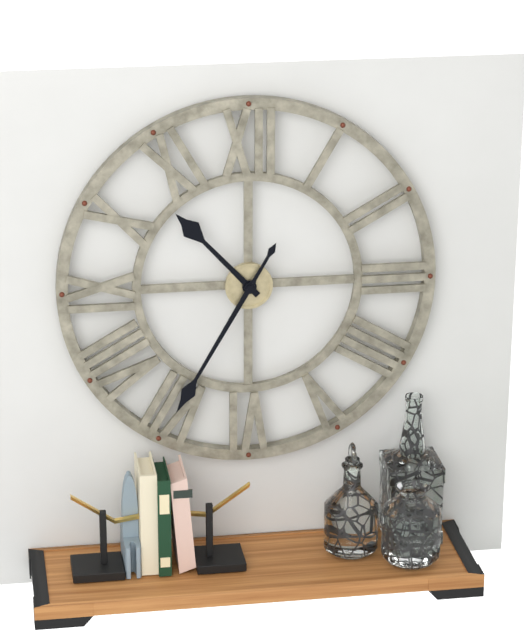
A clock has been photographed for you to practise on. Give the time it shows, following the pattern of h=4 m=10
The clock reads h=10 m=35
